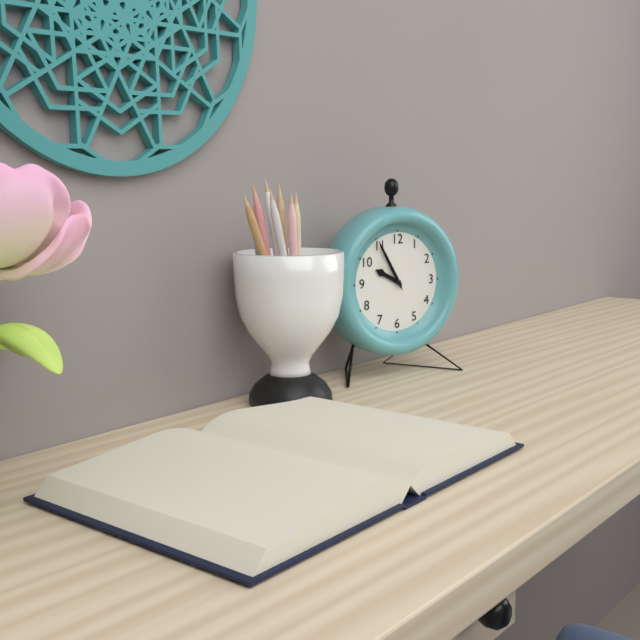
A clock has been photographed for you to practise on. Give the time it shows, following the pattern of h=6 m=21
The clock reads h=9 m=55
